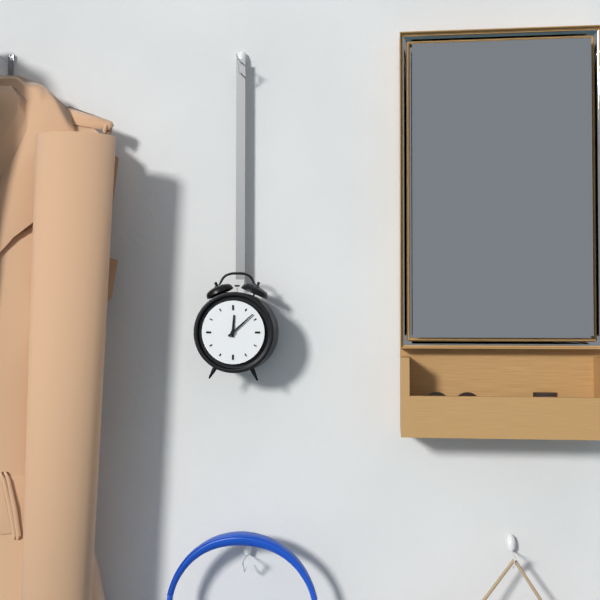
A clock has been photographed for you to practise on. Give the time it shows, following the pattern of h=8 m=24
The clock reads h=12 m=8
